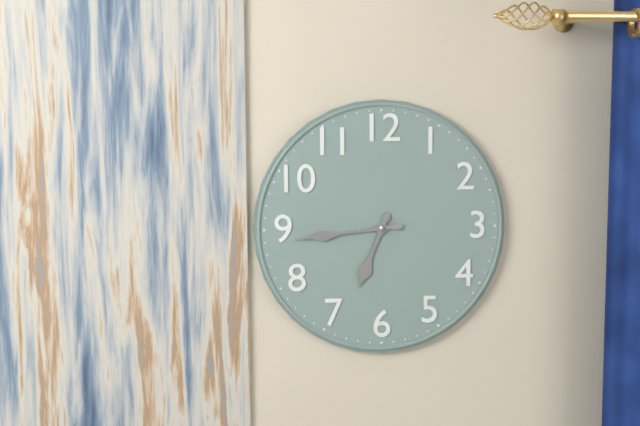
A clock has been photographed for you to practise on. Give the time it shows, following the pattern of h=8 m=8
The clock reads h=6 m=44
